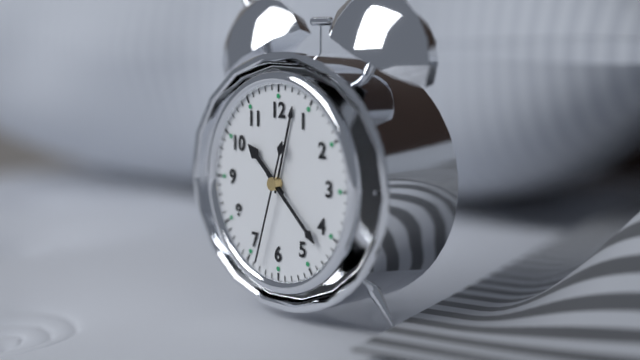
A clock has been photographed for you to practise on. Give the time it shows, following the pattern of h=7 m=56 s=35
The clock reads h=10 m=22 s=33
